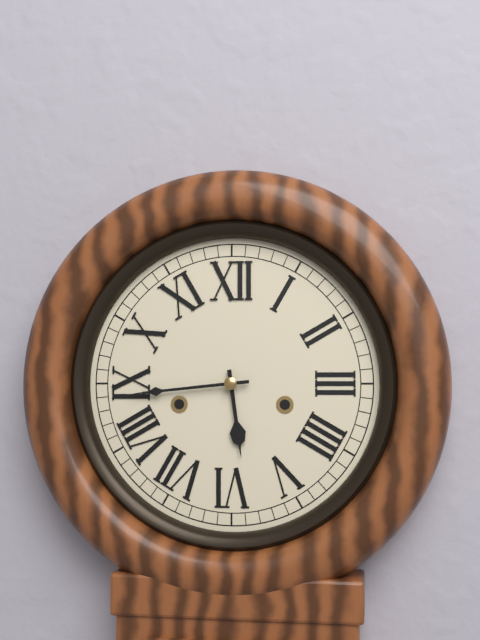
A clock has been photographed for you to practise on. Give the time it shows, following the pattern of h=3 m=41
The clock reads h=5 m=44
